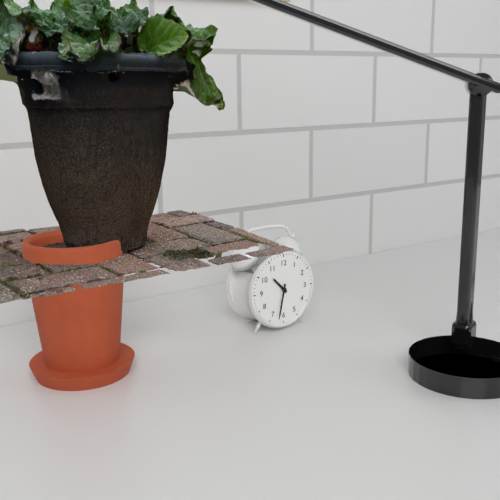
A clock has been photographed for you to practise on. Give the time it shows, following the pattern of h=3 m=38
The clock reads h=10 m=32
